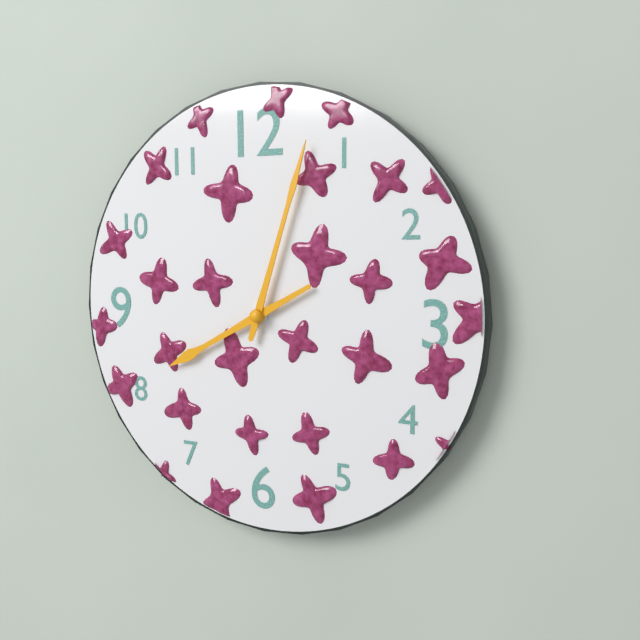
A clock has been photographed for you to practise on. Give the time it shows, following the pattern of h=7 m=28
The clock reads h=8 m=3
